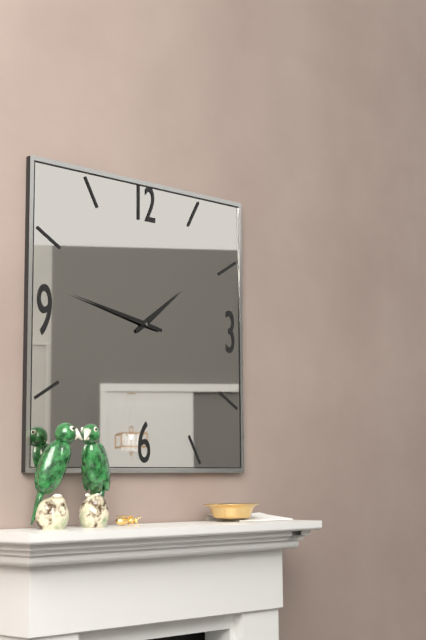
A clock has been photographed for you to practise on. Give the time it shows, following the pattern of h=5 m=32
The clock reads h=1 m=47
